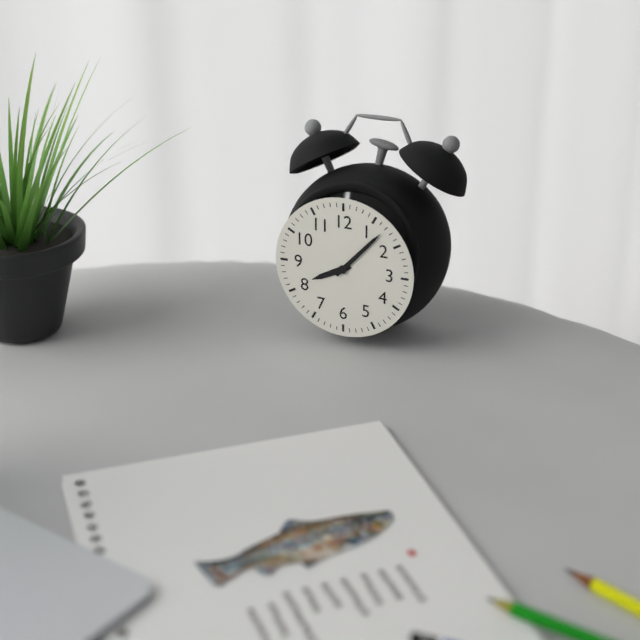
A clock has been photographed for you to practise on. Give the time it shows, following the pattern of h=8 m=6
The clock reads h=8 m=7
